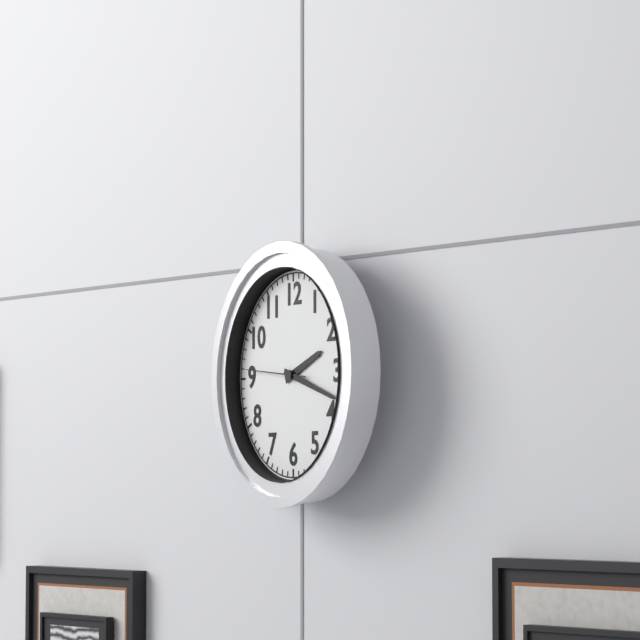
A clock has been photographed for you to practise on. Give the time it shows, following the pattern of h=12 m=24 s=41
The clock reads h=2 m=18 s=46
